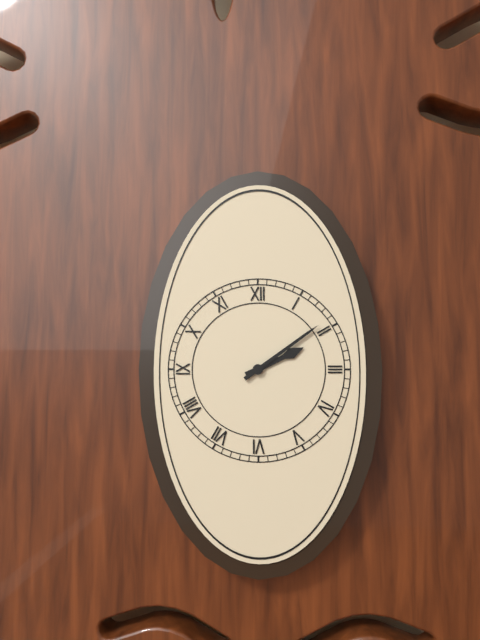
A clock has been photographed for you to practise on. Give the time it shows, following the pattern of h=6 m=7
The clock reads h=2 m=9
